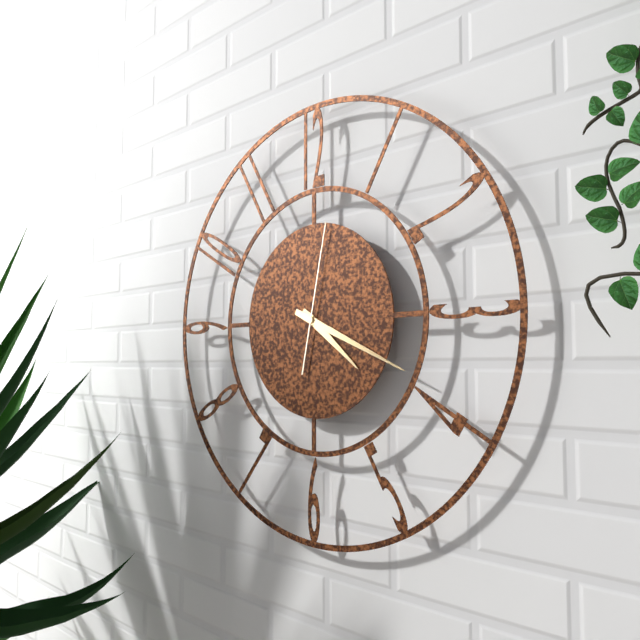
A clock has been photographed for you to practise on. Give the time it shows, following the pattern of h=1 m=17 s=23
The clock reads h=4 m=19 s=2
